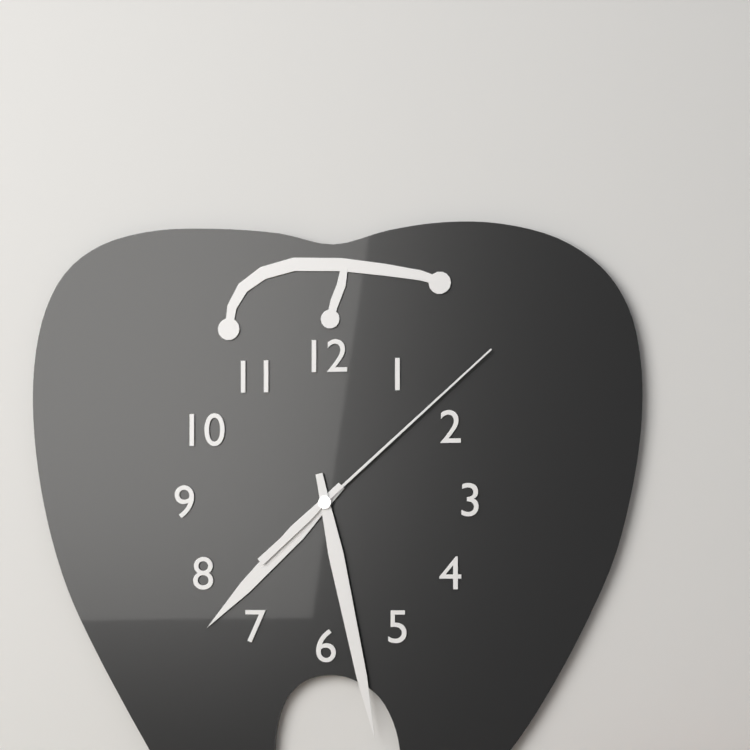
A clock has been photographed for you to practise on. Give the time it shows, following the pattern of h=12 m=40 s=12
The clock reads h=7 m=28 s=8
